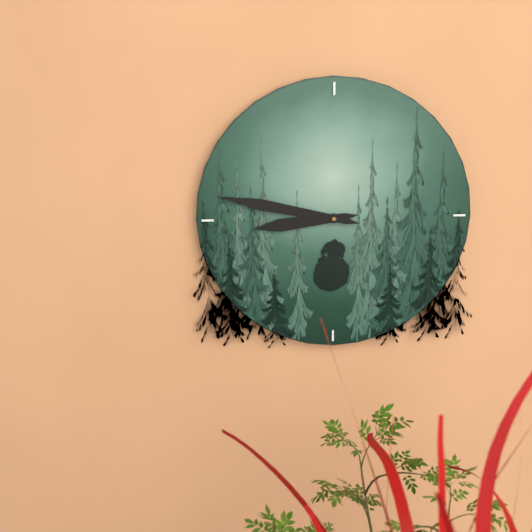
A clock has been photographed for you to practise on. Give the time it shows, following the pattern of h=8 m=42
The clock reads h=8 m=47
